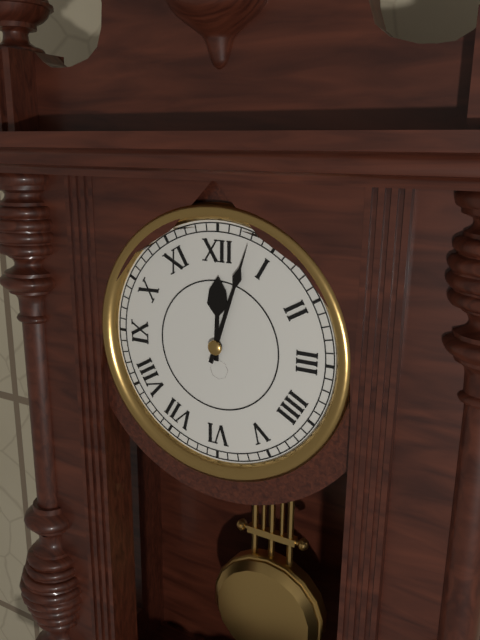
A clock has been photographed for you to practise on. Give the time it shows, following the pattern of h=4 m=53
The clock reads h=12 m=3
